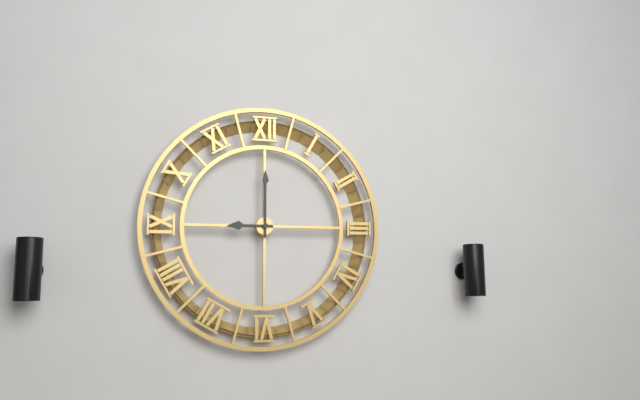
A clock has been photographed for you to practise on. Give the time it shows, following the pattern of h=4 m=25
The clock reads h=9 m=0
